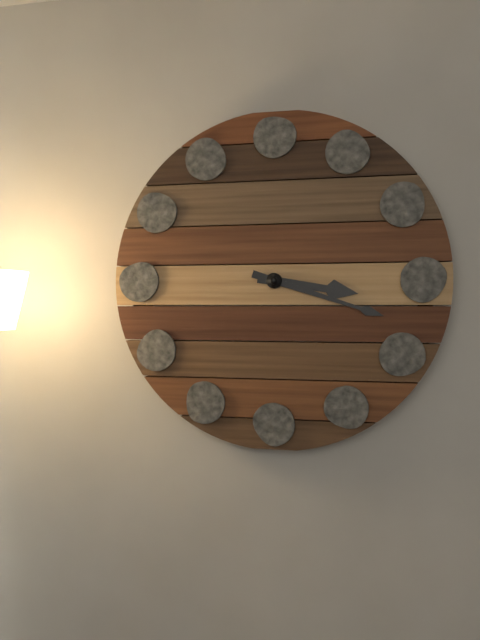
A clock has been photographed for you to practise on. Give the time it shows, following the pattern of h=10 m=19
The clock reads h=3 m=18
